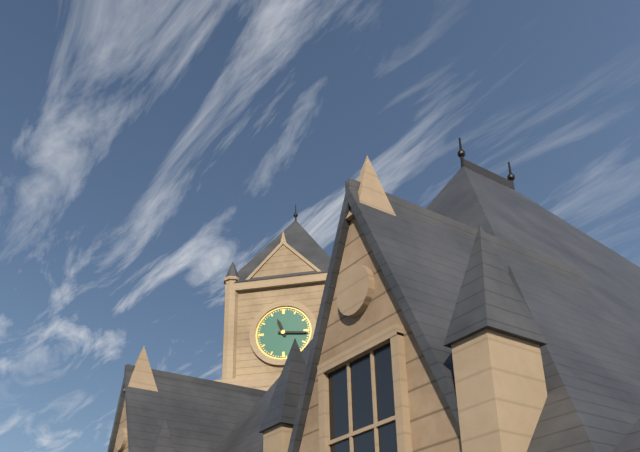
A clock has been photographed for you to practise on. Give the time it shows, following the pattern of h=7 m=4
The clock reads h=11 m=16
